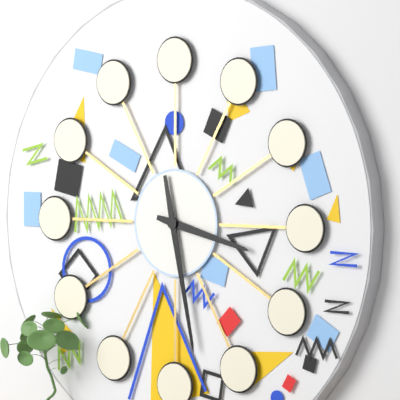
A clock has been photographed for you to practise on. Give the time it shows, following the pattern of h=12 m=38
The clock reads h=3 m=28
